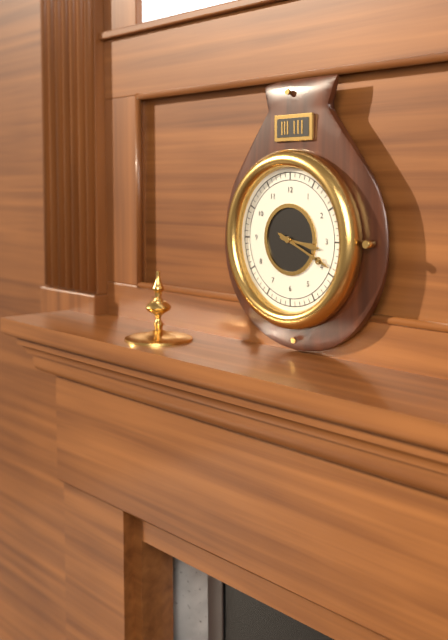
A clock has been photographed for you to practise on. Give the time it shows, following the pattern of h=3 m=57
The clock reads h=3 m=19
